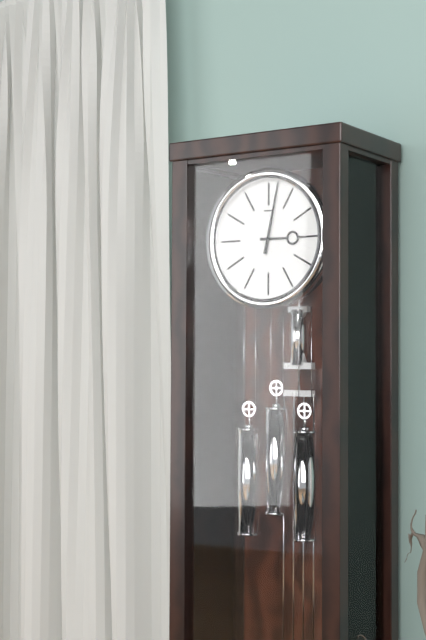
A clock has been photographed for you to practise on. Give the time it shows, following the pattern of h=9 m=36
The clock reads h=3 m=2
